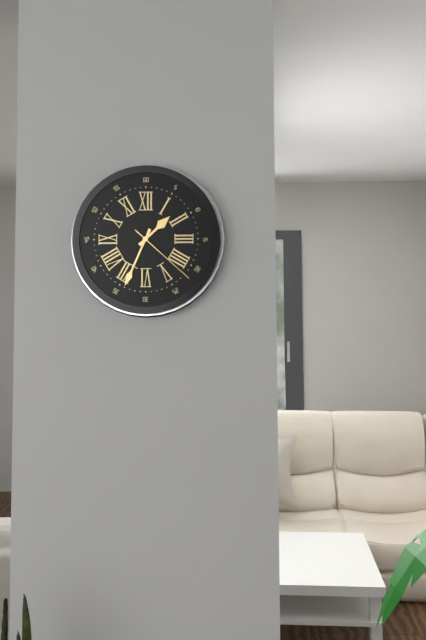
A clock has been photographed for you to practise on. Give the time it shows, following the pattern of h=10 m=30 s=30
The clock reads h=1 m=34 s=22
